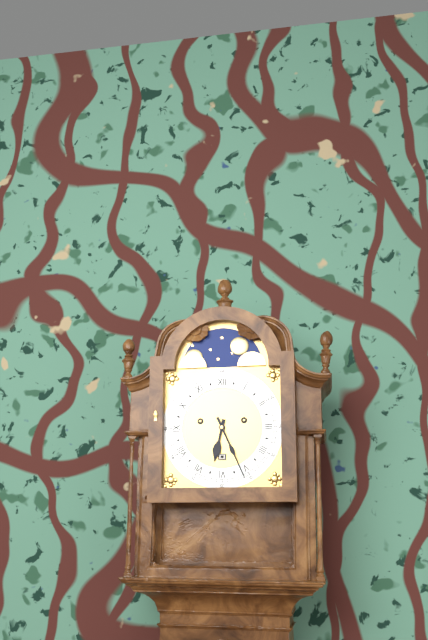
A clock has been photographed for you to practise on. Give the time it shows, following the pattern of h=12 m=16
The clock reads h=6 m=26
